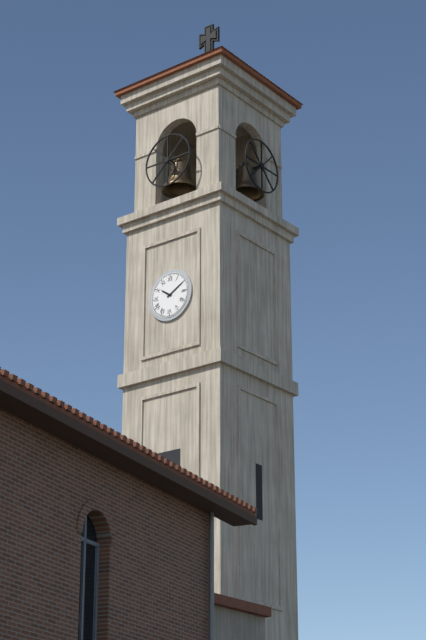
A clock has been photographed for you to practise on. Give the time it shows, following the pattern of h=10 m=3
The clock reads h=10 m=10
